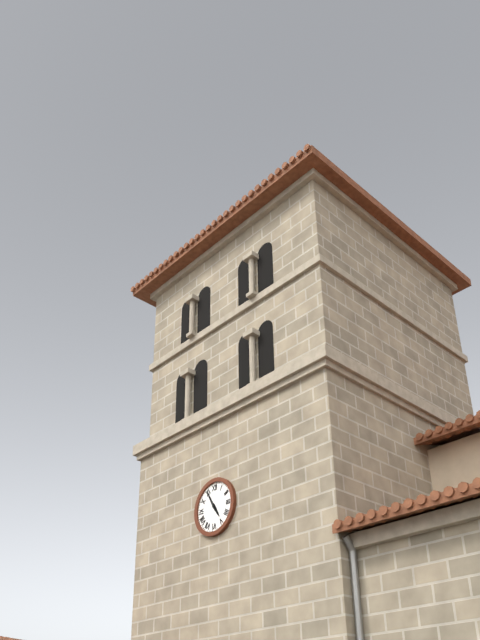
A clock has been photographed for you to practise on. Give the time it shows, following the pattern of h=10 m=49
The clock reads h=4 m=55
